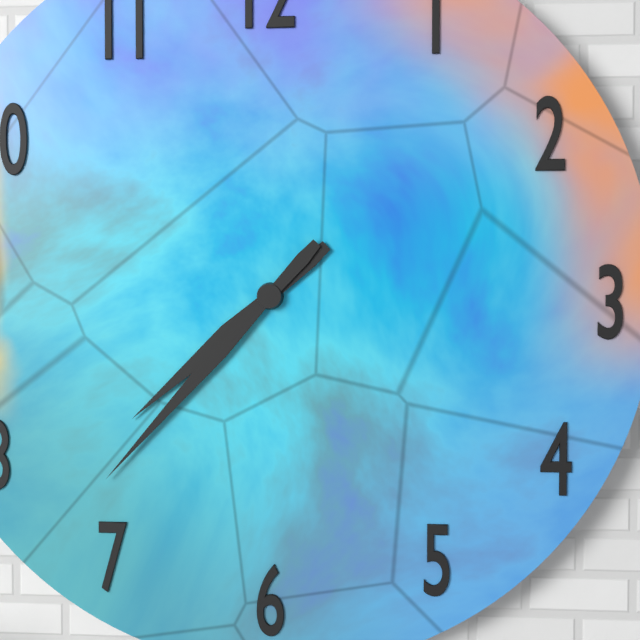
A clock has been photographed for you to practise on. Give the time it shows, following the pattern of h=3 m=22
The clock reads h=7 m=37
